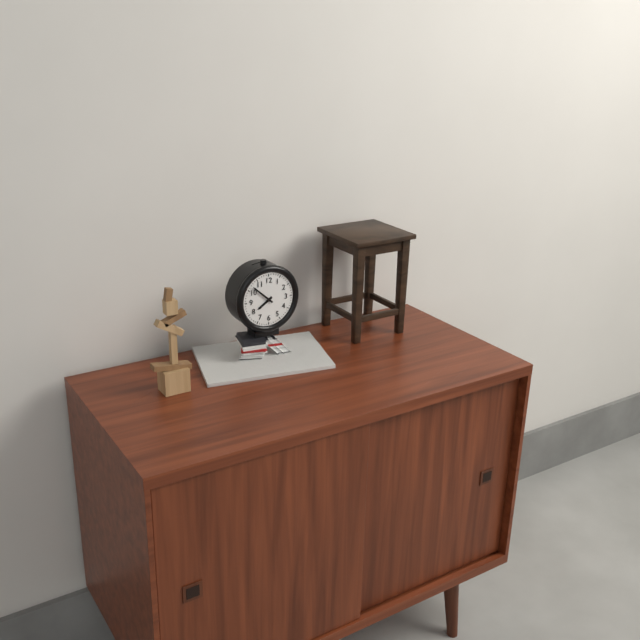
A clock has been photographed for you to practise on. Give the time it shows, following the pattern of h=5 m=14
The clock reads h=7 m=52
